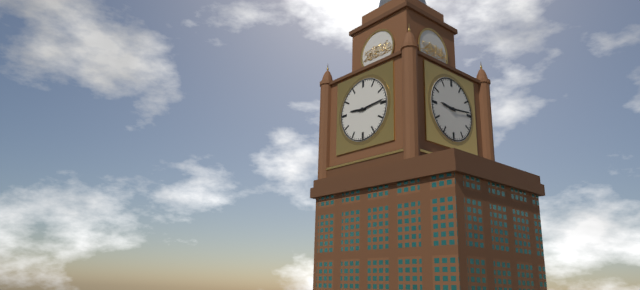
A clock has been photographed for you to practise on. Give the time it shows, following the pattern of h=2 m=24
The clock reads h=9 m=14
